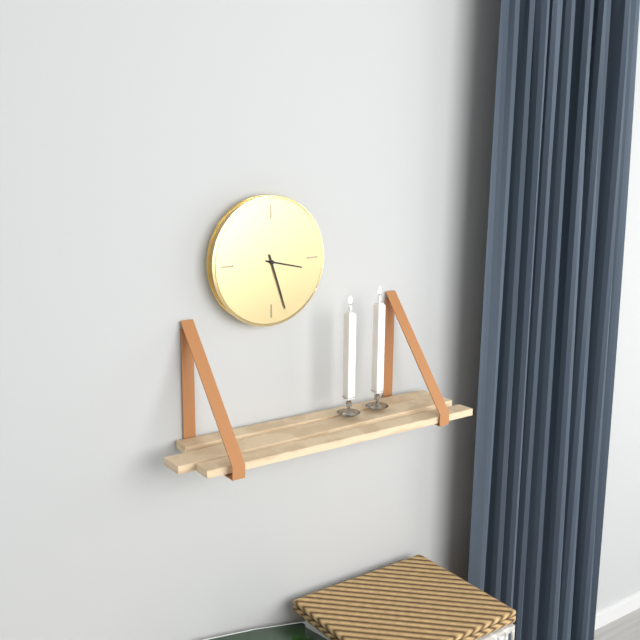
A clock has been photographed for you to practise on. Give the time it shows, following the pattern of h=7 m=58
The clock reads h=3 m=27
